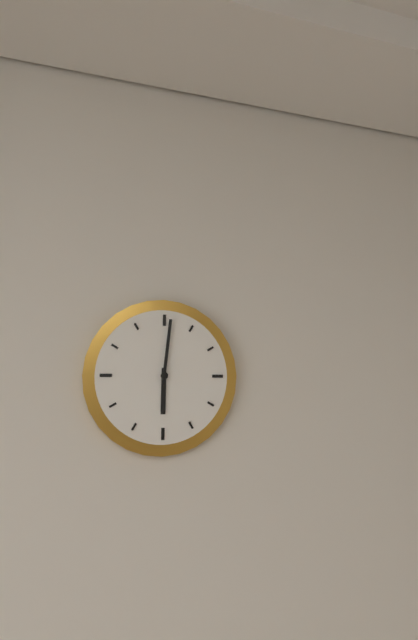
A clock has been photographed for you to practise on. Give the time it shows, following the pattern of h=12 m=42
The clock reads h=6 m=1
